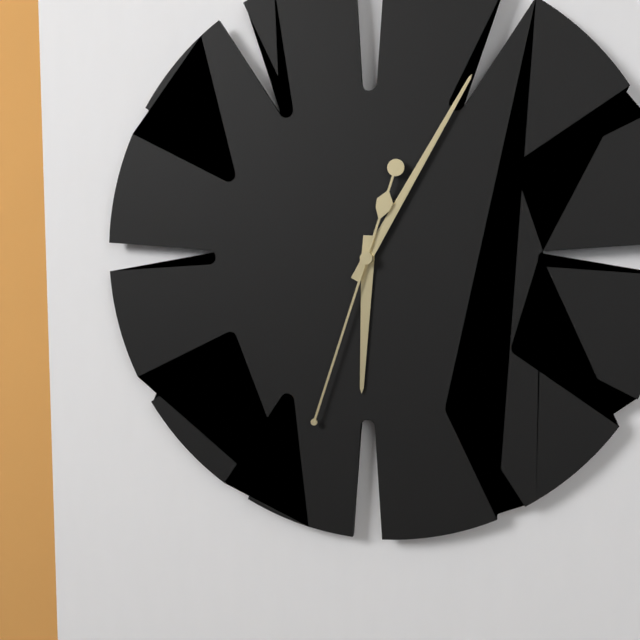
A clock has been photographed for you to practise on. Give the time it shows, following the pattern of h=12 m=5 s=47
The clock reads h=6 m=5 s=33
